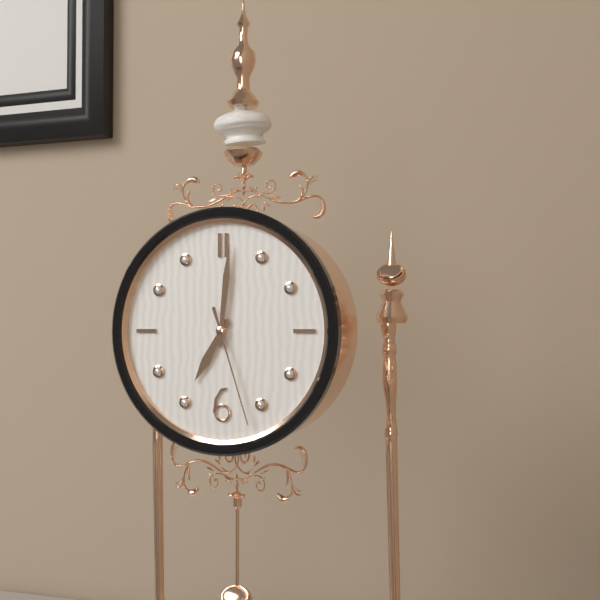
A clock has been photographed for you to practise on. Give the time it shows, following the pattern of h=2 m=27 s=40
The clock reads h=7 m=1 s=27
